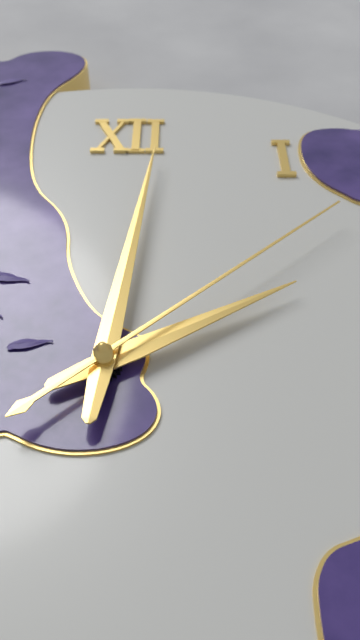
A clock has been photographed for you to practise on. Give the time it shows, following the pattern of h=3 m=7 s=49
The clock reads h=2 m=1 s=8
